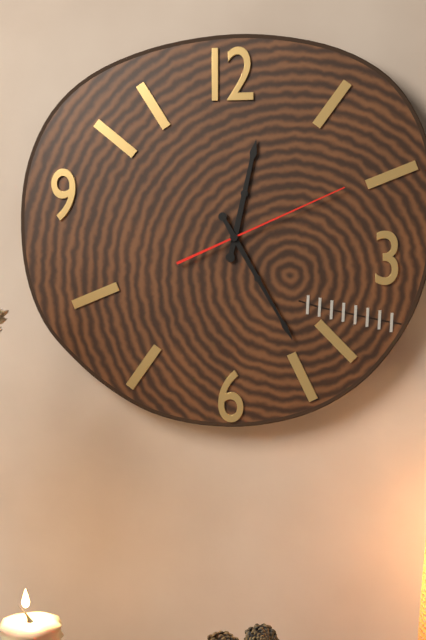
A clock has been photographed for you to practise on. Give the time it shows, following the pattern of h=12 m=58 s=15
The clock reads h=12 m=25 s=11
